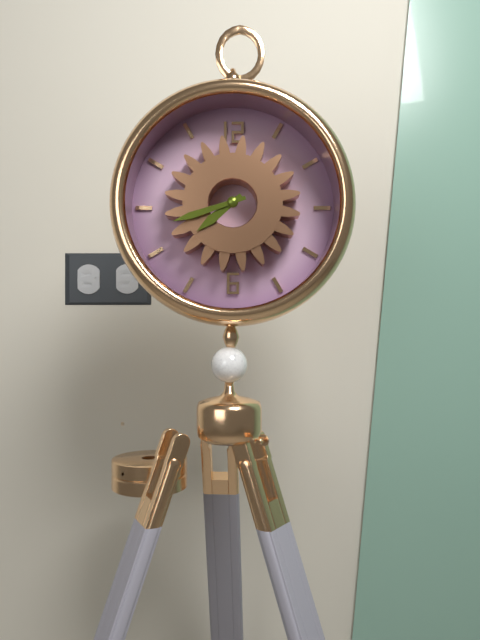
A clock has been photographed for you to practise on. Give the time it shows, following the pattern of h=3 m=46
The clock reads h=7 m=42
